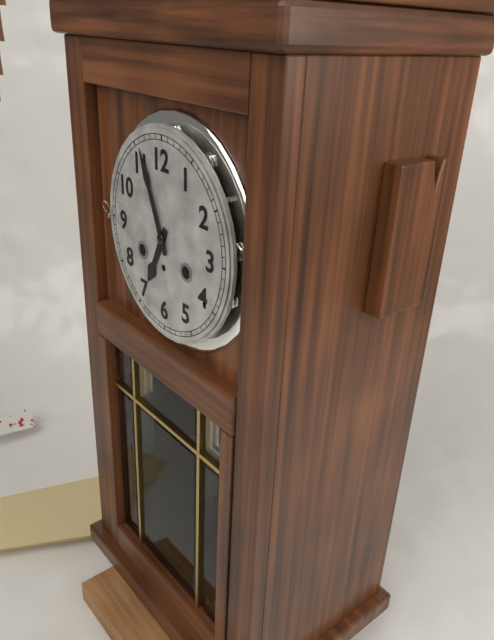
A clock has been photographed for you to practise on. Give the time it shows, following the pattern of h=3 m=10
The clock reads h=6 m=56
